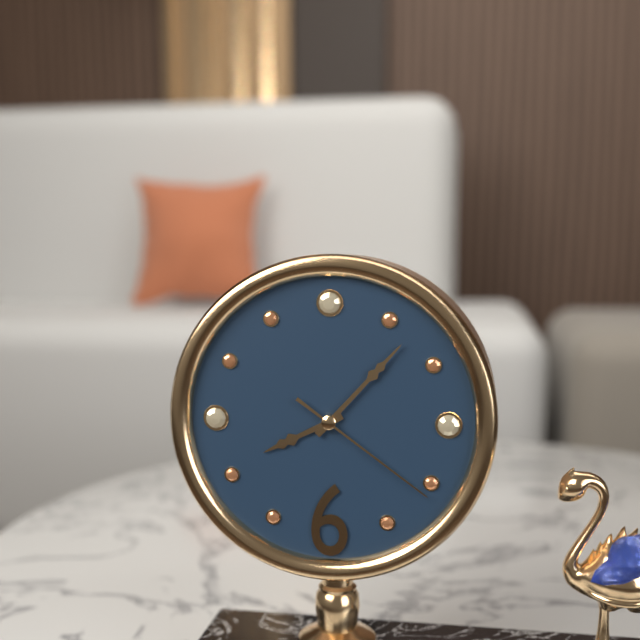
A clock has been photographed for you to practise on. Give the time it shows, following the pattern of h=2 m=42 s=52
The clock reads h=8 m=7 s=21
